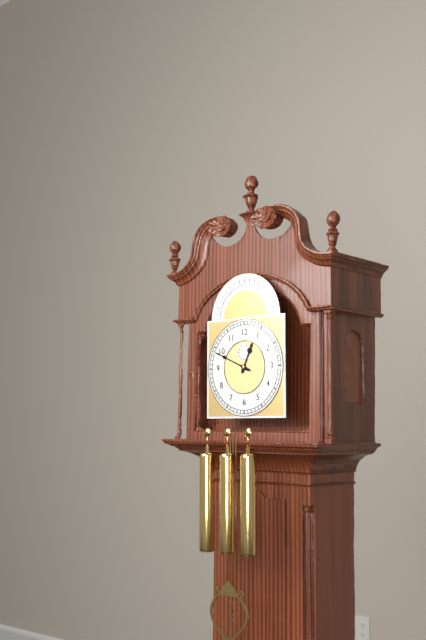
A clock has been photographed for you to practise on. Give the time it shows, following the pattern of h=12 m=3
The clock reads h=12 m=49
